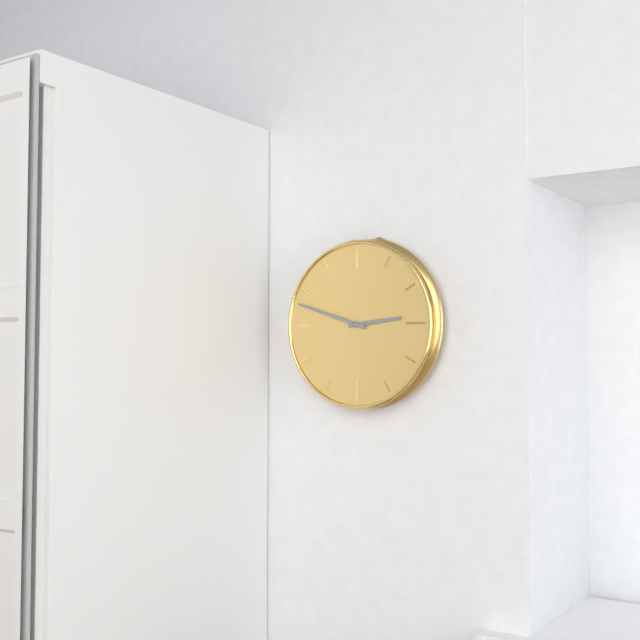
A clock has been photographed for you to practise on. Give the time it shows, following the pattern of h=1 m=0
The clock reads h=2 m=48
